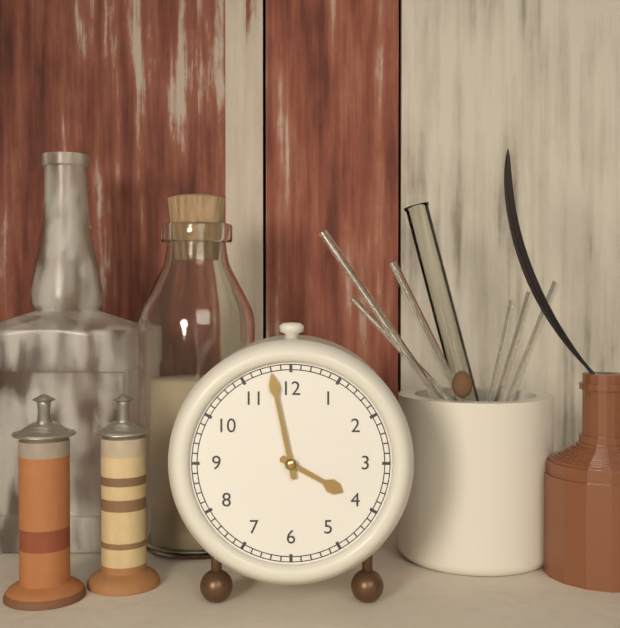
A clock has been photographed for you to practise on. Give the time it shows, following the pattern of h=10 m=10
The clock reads h=3 m=58
